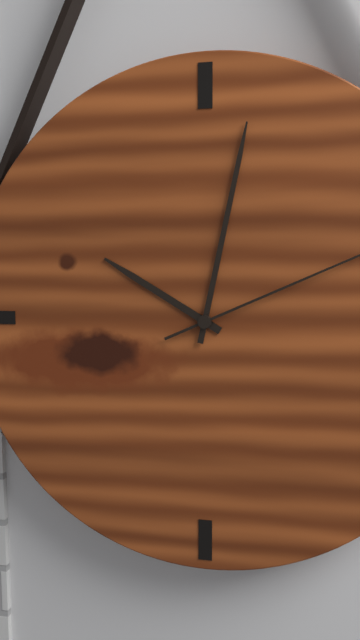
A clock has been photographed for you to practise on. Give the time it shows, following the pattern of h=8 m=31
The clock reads h=10 m=2
